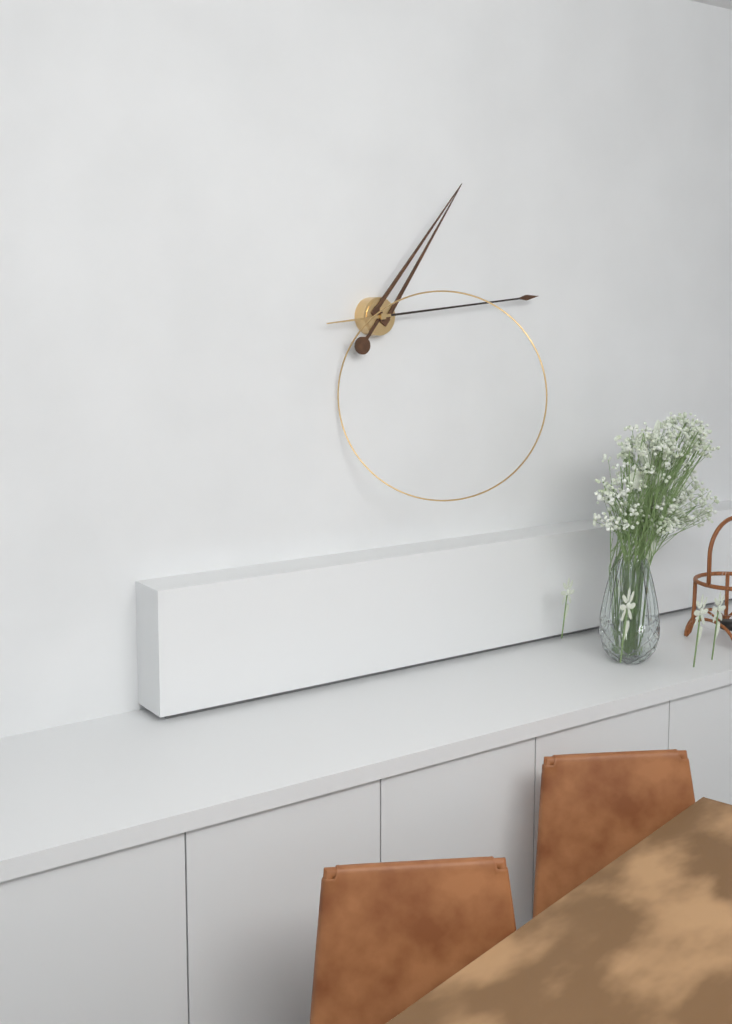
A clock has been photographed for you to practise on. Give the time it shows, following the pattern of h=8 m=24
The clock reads h=1 m=14
